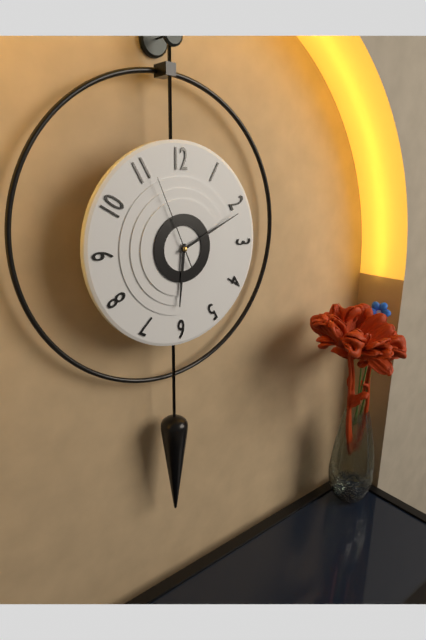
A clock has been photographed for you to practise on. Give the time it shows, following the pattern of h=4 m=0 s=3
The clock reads h=6 m=11 s=56
